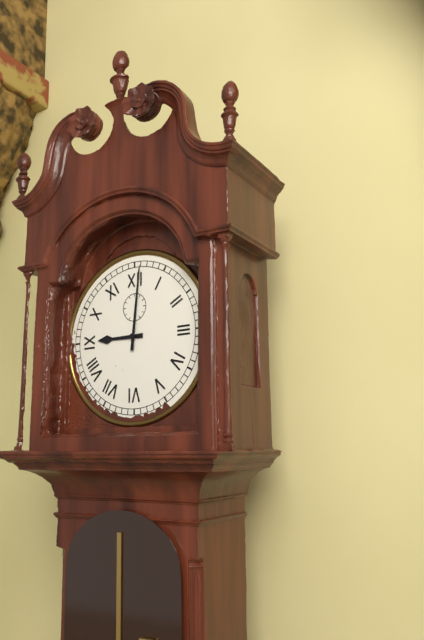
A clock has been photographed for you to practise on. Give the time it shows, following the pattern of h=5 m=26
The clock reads h=9 m=1
